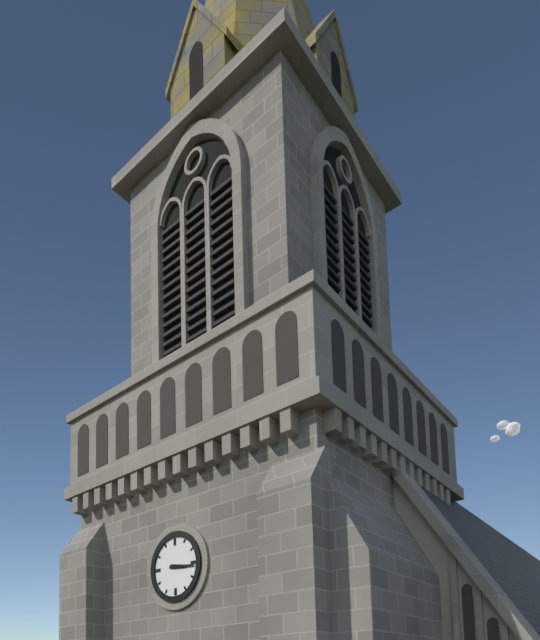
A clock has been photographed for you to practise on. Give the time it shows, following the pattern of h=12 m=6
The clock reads h=3 m=16
